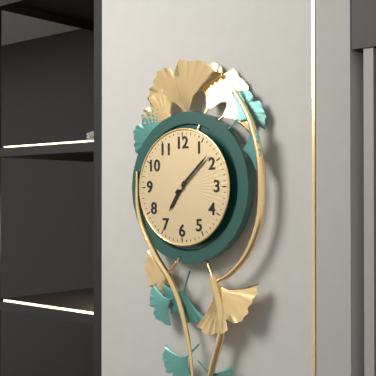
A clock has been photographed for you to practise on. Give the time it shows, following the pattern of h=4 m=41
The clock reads h=7 m=8
